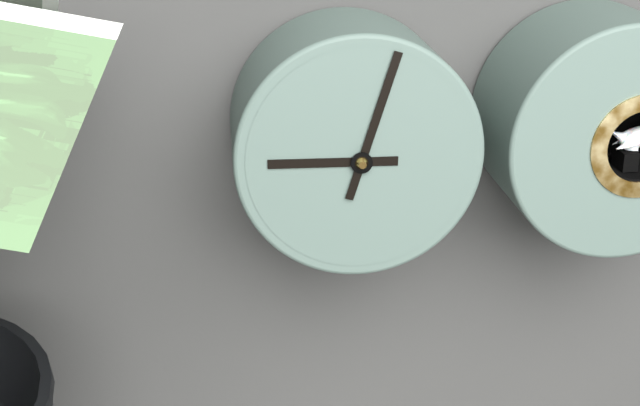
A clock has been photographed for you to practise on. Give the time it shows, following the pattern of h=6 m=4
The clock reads h=9 m=3
